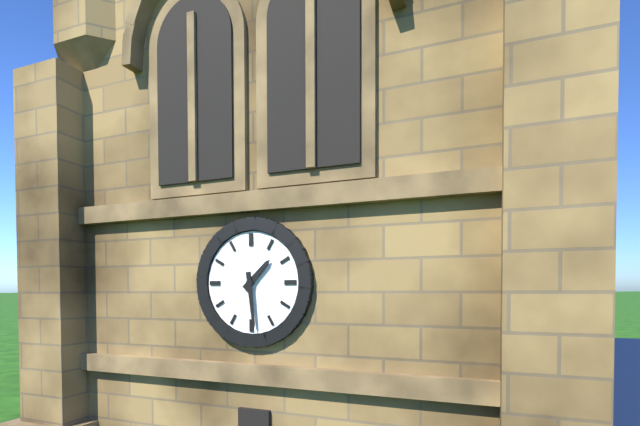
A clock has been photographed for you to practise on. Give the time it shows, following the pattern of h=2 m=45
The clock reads h=1 m=29
